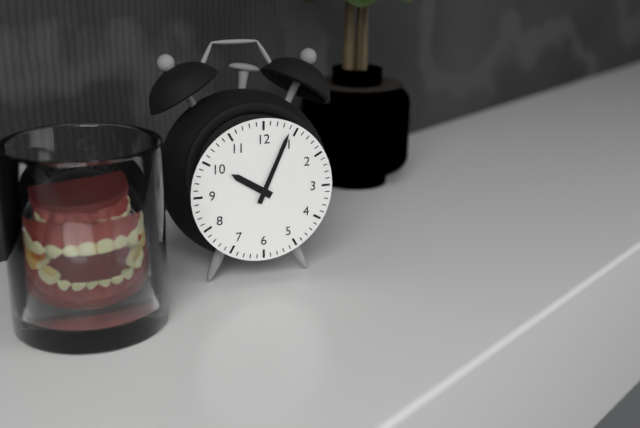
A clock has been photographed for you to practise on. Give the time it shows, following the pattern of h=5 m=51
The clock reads h=10 m=4
